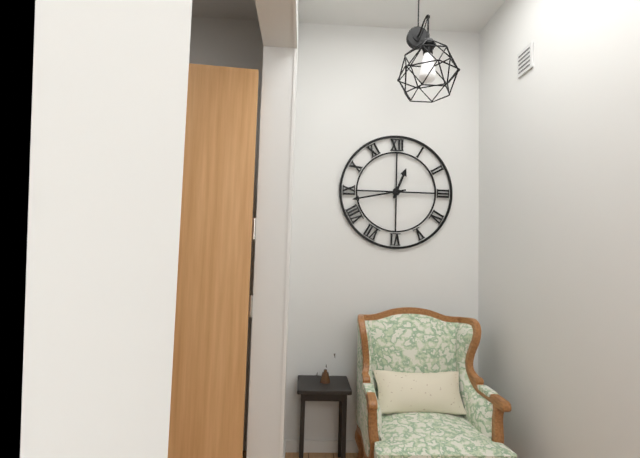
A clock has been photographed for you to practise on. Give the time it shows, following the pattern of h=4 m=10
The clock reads h=12 m=43
